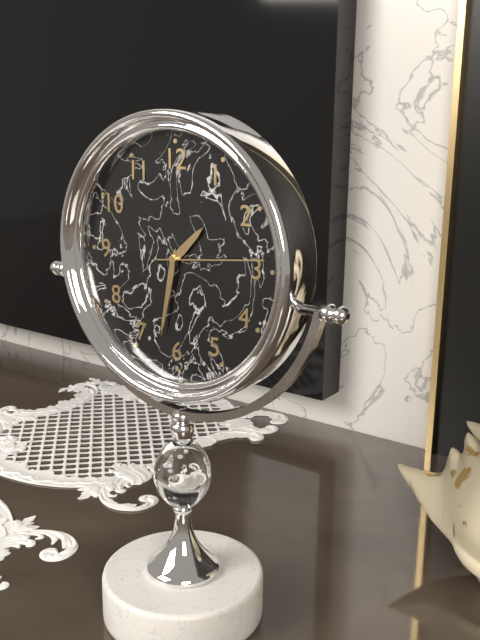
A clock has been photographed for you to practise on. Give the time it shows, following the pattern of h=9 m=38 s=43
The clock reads h=1 m=32 s=14
